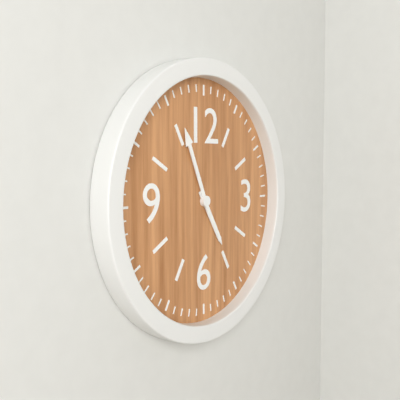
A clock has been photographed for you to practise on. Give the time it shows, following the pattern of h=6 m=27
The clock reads h=4 m=56
